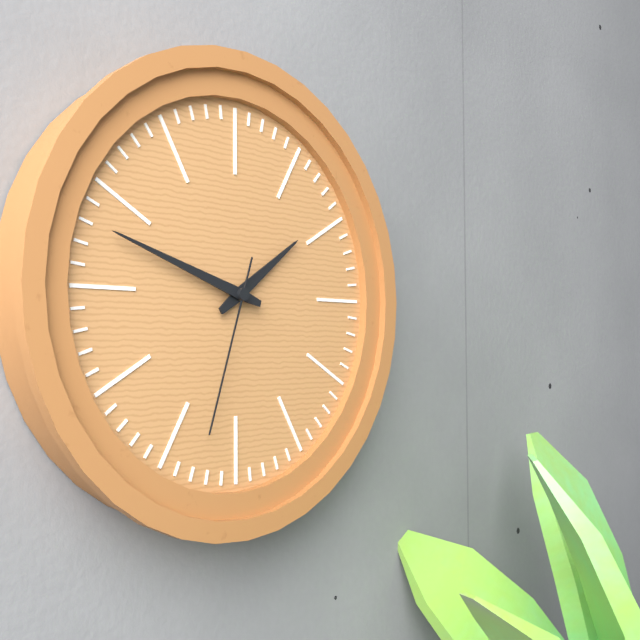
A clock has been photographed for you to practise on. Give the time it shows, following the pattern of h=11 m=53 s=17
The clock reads h=1 m=48 s=33
